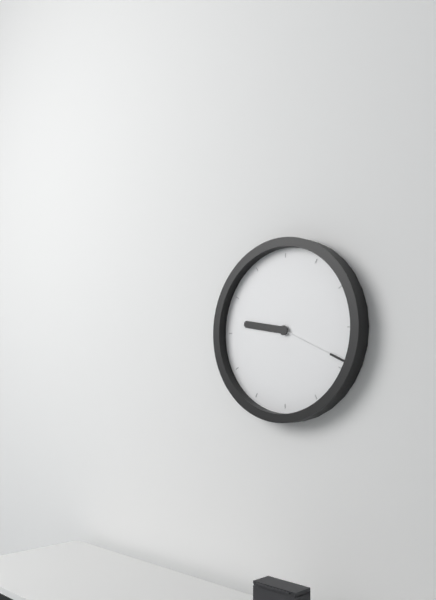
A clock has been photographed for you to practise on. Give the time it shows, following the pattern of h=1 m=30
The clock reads h=9 m=19
